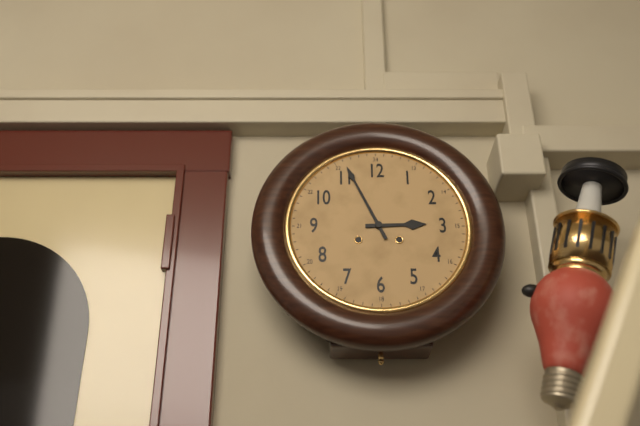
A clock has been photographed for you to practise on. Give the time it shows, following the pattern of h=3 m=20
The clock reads h=2 m=56
